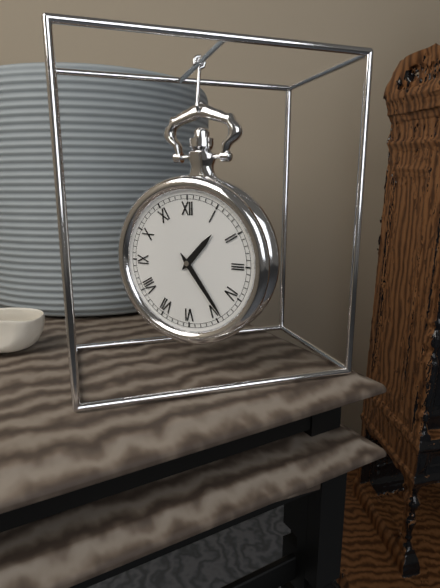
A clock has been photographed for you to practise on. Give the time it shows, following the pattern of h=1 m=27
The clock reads h=1 m=24
